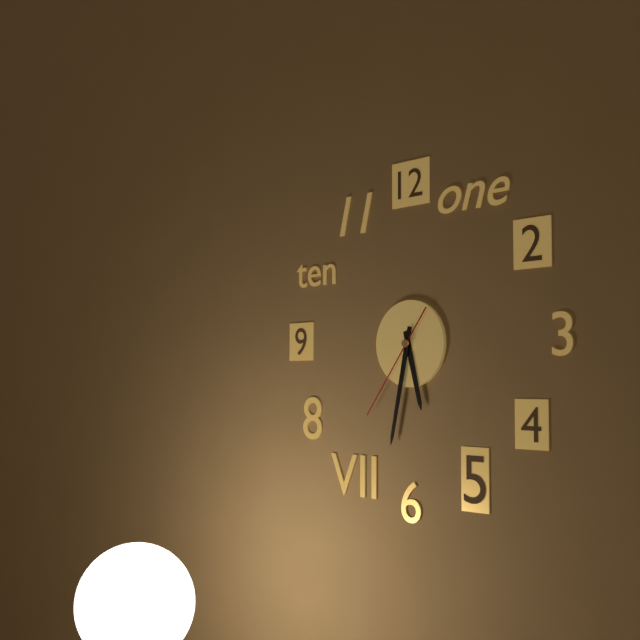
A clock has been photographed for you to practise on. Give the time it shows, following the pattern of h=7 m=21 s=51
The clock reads h=5 m=32 s=36
